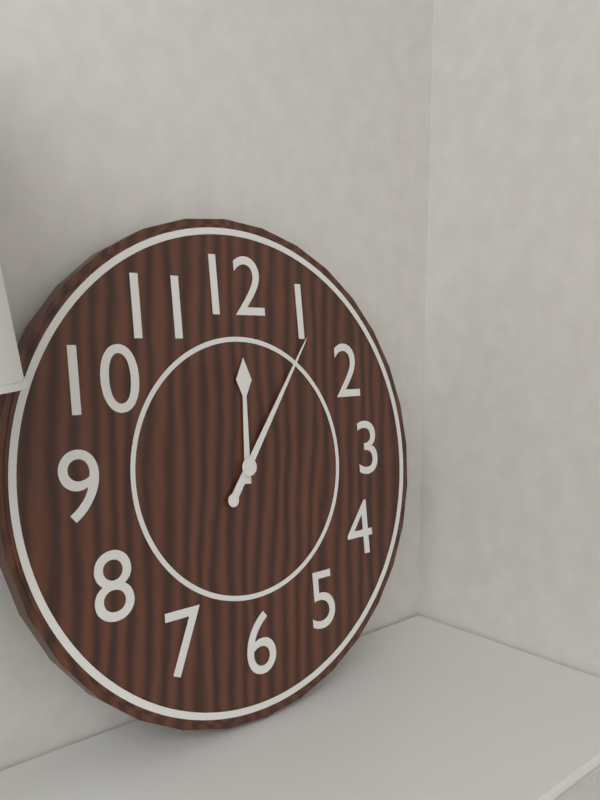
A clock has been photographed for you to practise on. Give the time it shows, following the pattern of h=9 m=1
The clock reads h=12 m=6
